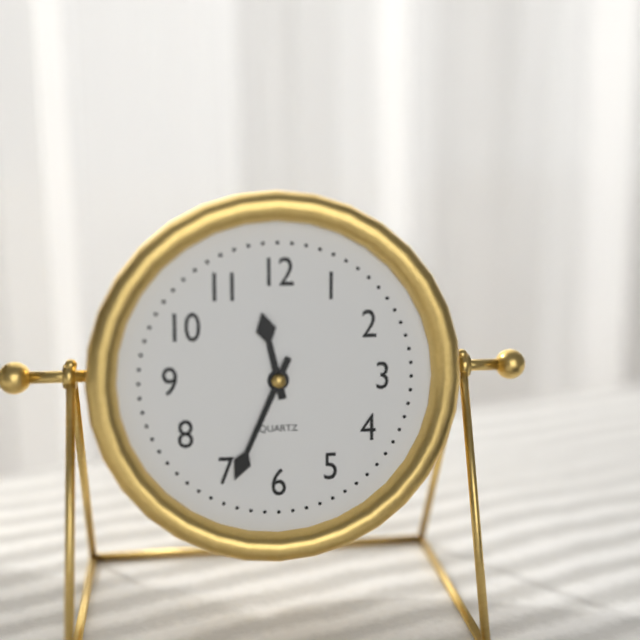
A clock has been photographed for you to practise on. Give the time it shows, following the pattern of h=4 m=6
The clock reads h=11 m=34
